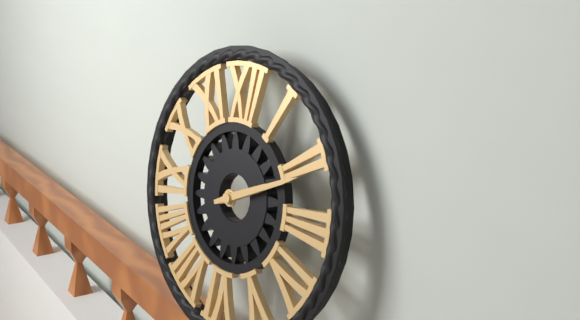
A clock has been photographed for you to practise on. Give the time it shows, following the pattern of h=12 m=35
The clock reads h=2 m=11
